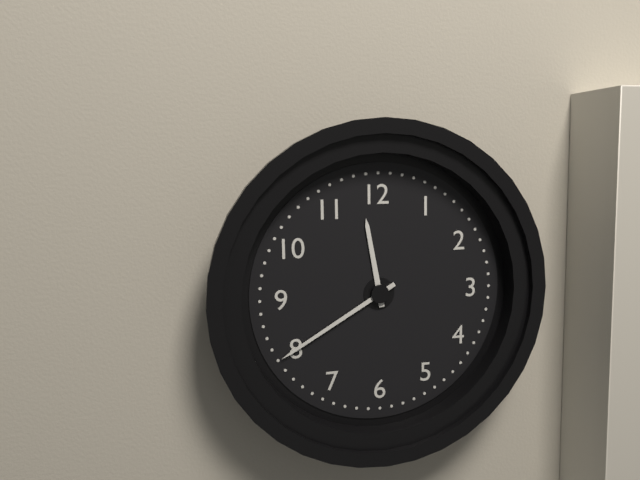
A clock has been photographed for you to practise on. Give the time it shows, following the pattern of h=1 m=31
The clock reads h=11 m=40
